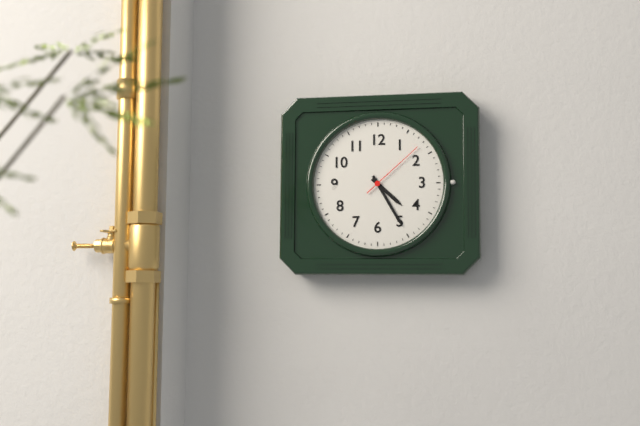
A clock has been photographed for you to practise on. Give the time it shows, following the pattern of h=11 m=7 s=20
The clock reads h=4 m=25 s=8
